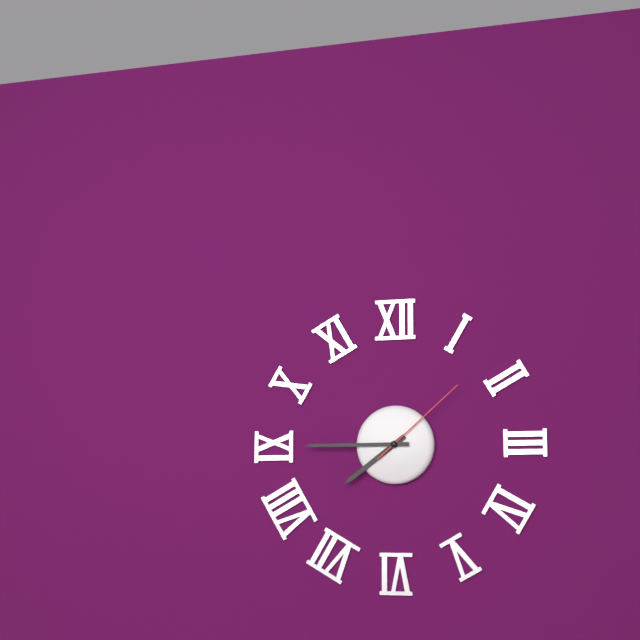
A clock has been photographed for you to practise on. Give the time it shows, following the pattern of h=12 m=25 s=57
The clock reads h=7 m=45 s=8
